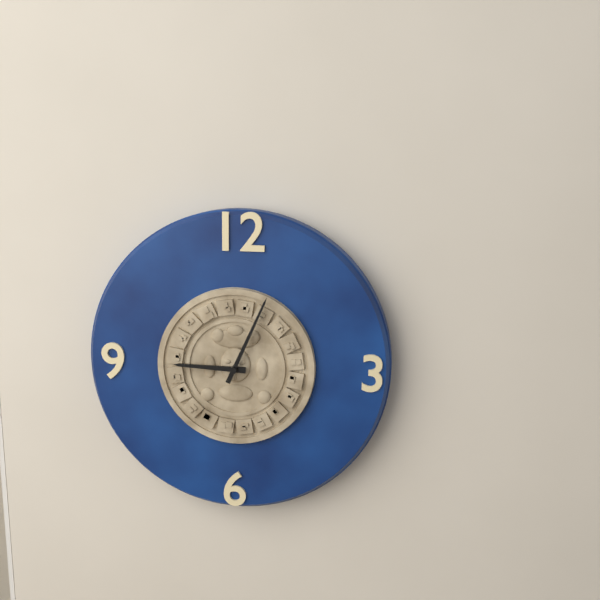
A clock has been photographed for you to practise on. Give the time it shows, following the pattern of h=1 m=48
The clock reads h=9 m=4
